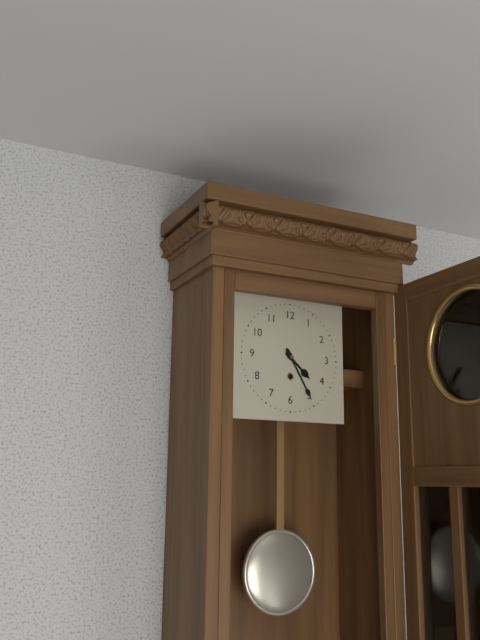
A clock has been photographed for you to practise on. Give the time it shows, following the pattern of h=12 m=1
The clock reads h=4 m=25
